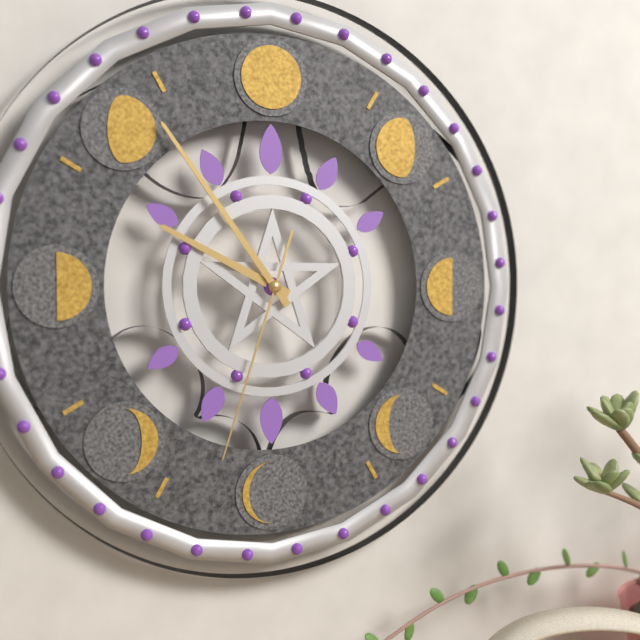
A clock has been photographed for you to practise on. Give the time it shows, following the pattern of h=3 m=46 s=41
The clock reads h=9 m=54 s=33
